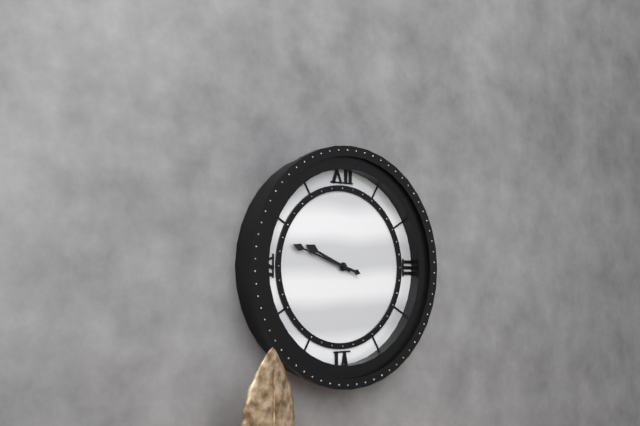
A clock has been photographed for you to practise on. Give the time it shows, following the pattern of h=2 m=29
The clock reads h=9 m=48
